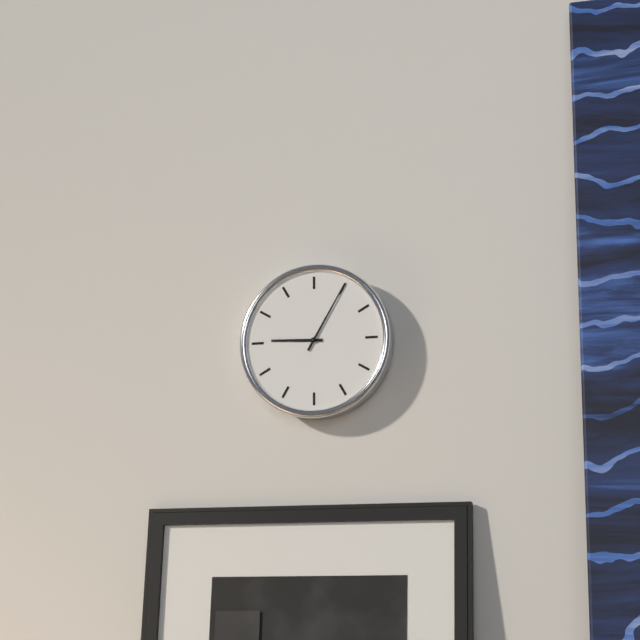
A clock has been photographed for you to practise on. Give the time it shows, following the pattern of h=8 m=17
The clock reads h=9 m=5
